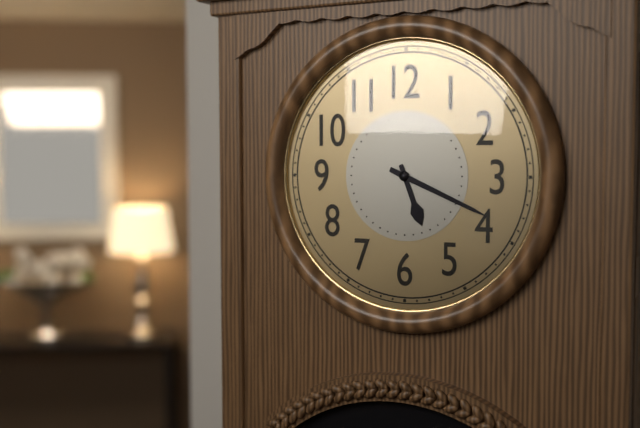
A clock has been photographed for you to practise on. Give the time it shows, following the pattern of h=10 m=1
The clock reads h=5 m=19
